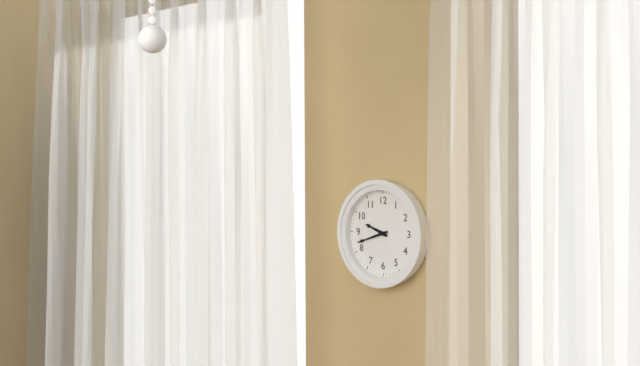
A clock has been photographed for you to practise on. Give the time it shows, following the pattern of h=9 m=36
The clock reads h=9 m=42
